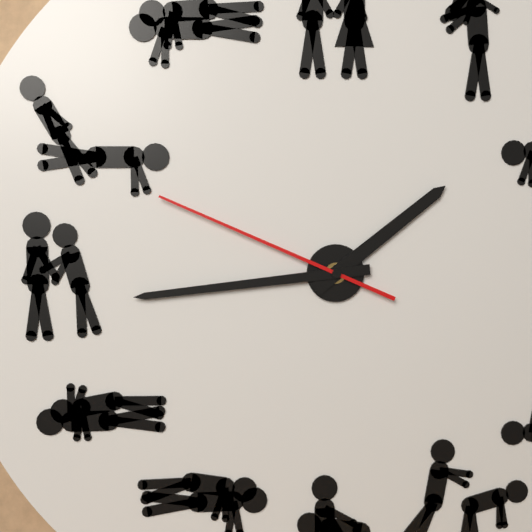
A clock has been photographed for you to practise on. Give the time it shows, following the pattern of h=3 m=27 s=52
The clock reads h=1 m=44 s=49
